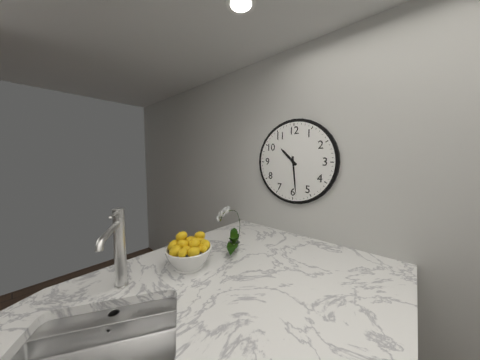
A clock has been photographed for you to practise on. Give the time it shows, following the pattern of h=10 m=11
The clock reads h=10 m=29
